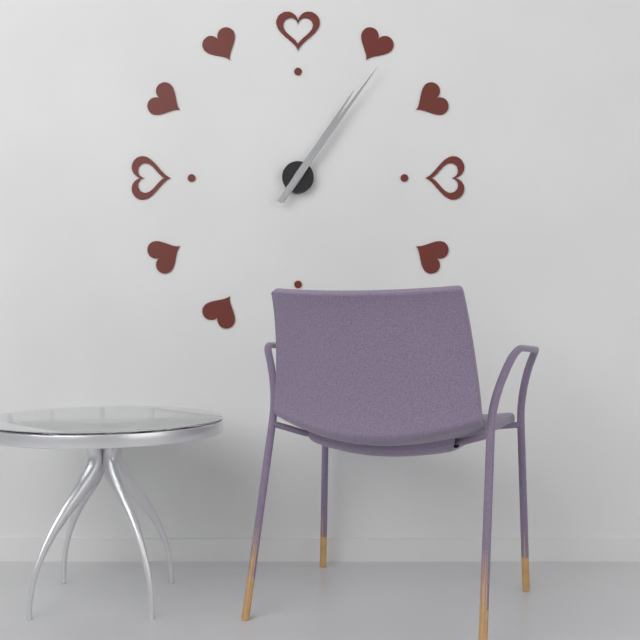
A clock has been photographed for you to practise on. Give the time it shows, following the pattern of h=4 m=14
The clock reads h=1 m=6
